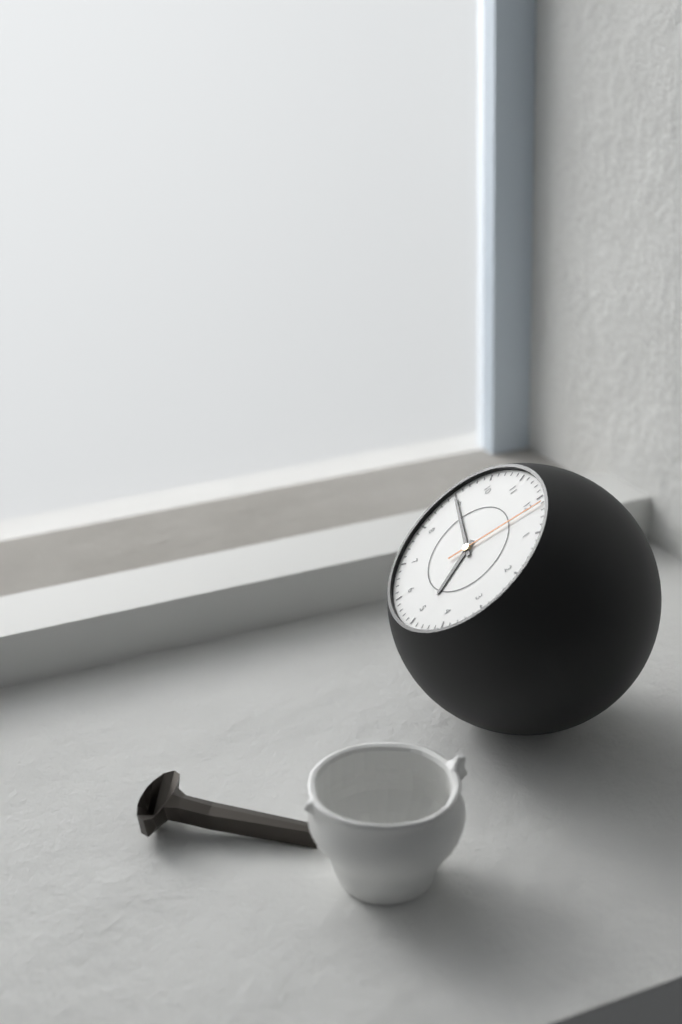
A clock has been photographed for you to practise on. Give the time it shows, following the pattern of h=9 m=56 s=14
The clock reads h=4 m=45 s=1
